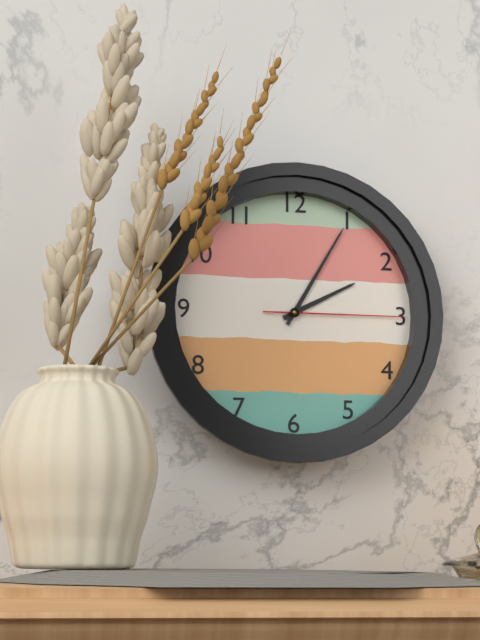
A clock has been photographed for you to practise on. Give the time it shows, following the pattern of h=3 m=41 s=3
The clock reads h=2 m=5 s=15
